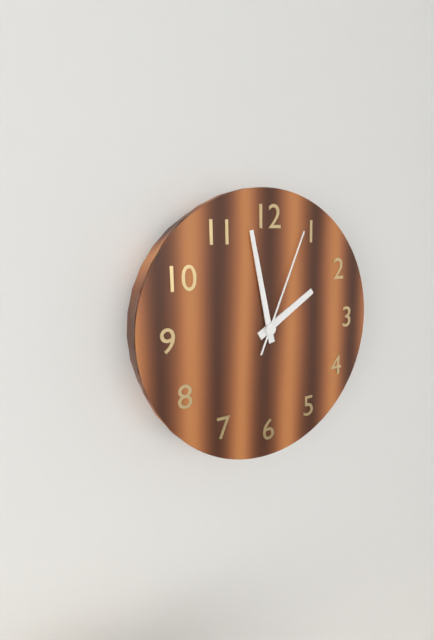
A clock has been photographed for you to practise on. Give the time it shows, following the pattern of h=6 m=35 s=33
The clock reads h=1 m=58 s=4
